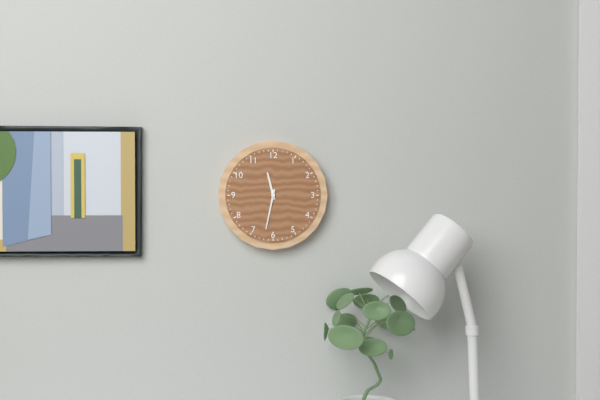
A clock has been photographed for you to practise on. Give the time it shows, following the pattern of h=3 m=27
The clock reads h=11 m=32
